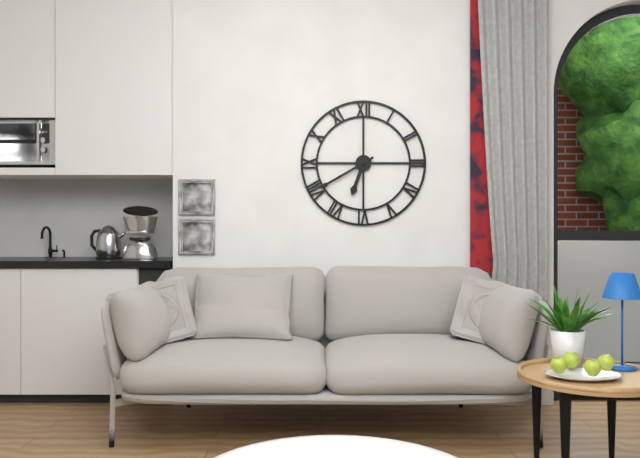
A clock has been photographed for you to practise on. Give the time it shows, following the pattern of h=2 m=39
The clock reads h=6 m=40
